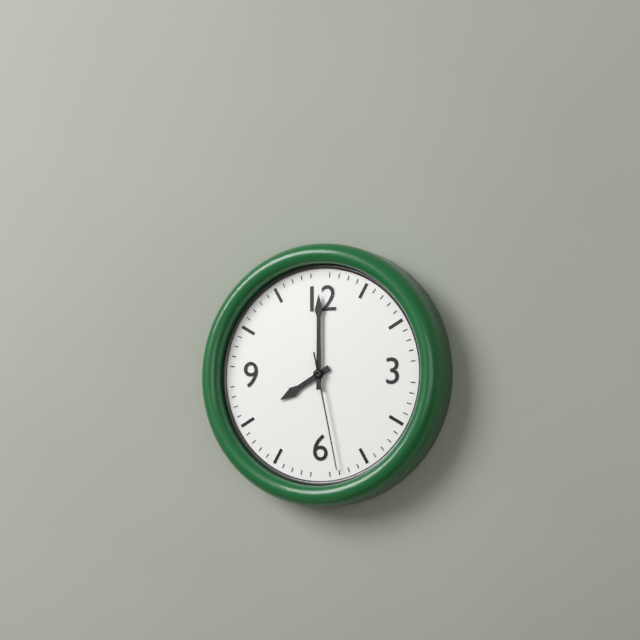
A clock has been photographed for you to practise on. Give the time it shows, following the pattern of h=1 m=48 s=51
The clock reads h=8 m=0 s=28
